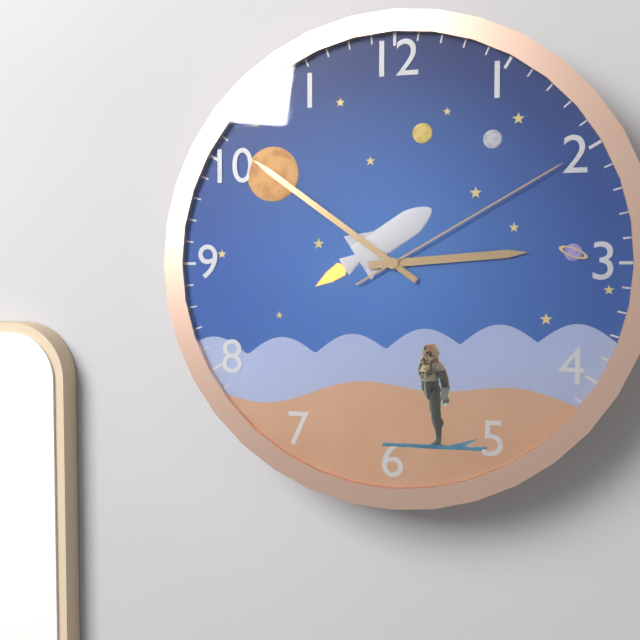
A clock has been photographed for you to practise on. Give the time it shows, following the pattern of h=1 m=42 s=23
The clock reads h=2 m=51 s=10
